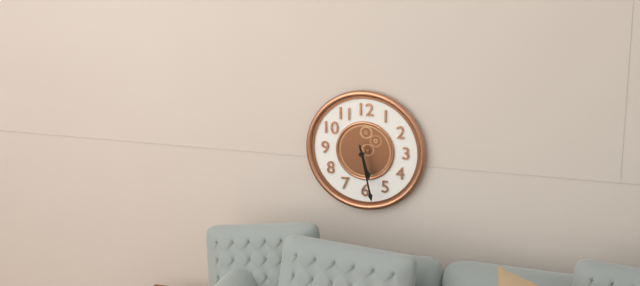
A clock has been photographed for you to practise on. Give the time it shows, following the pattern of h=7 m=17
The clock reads h=5 m=28
